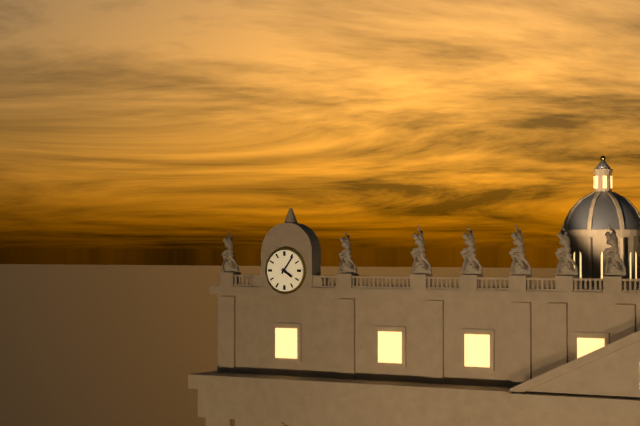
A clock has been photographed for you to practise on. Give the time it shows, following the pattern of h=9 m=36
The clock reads h=4 m=6
